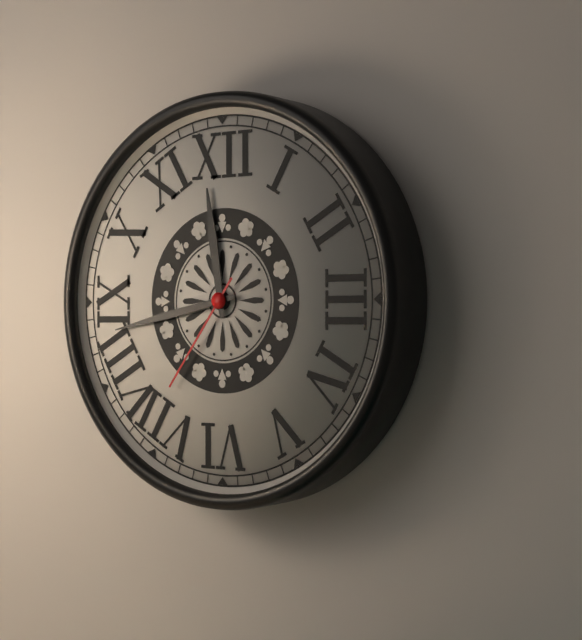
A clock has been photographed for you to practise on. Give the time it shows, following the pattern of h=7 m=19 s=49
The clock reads h=11 m=43 s=36
